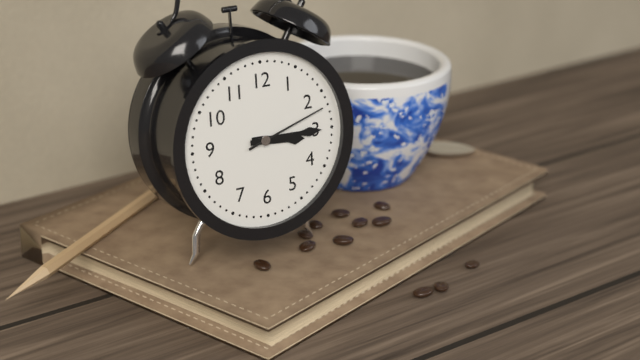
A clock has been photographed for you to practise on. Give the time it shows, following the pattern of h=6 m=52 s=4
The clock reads h=3 m=15 s=12
